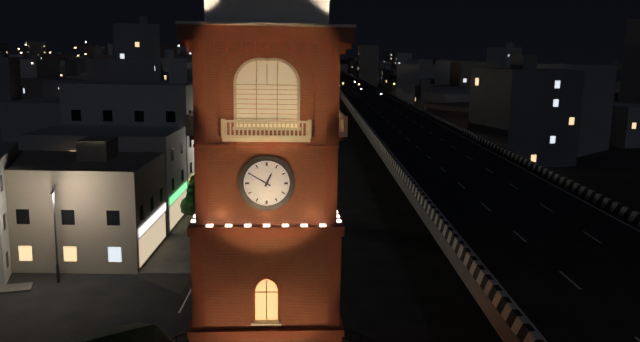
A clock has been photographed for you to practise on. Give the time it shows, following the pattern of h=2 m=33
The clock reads h=12 m=50
